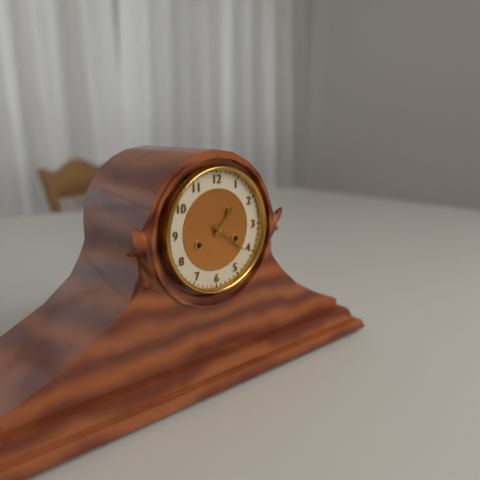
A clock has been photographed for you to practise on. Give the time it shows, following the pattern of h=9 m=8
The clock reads h=1 m=21
